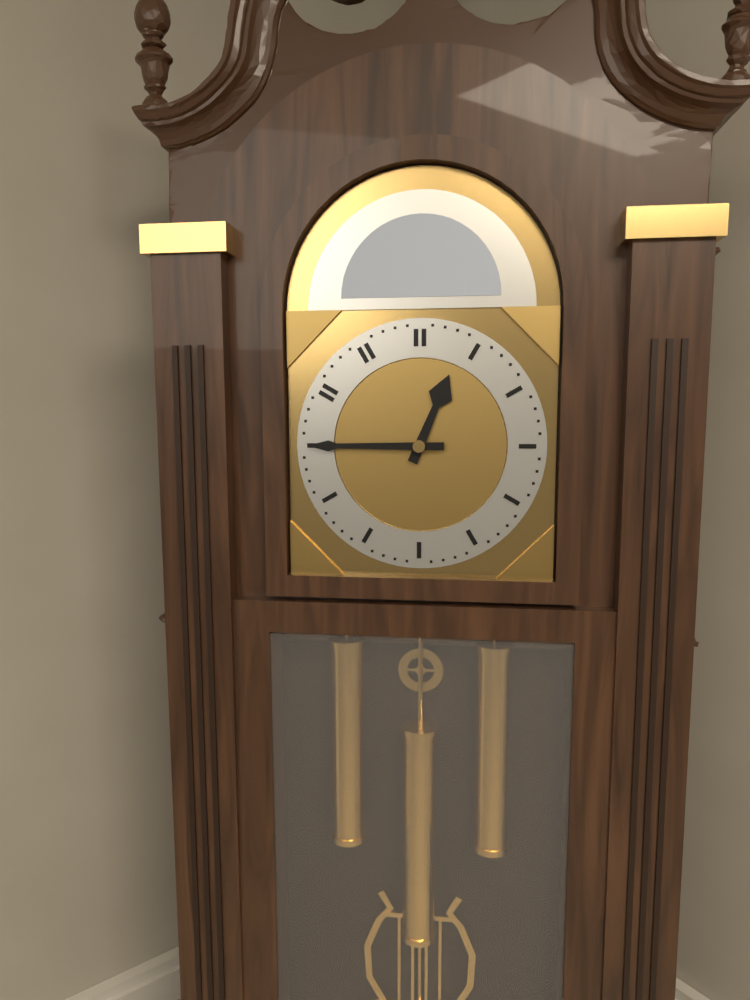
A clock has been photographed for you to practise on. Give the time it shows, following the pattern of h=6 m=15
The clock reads h=12 m=45
